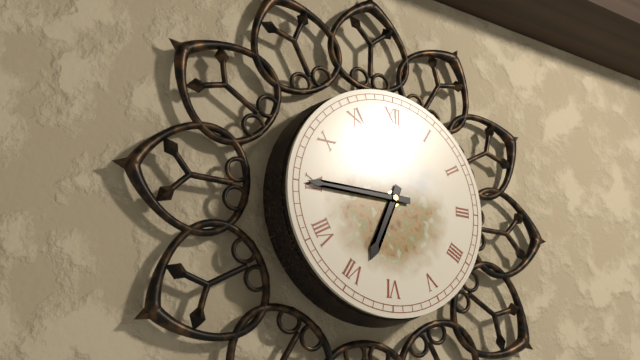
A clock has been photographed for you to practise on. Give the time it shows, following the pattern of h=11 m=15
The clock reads h=6 m=45
